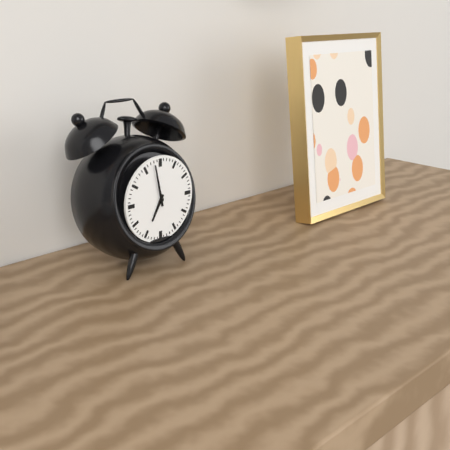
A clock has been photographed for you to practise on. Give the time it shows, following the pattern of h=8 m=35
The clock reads h=6 m=58
